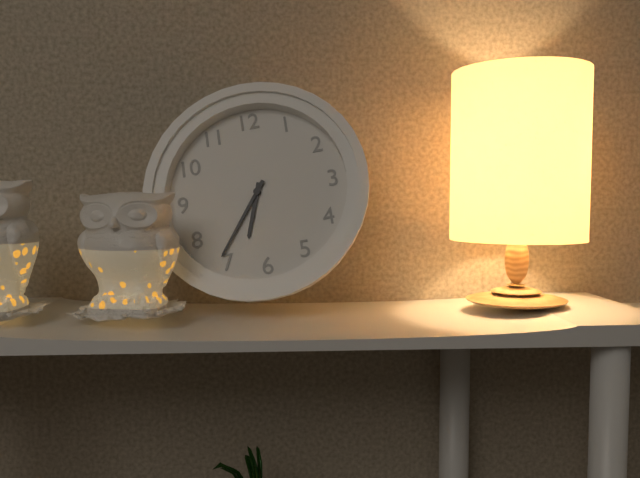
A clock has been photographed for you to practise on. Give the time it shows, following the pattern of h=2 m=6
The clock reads h=6 m=36
